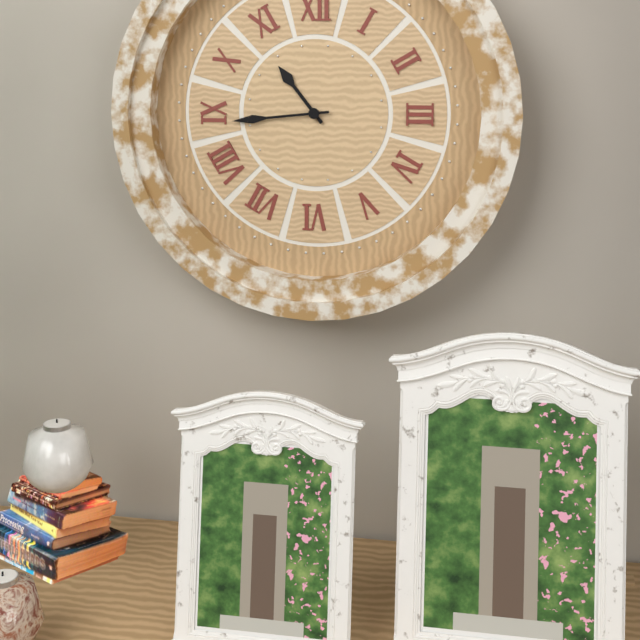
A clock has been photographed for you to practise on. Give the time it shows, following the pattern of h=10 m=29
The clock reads h=10 m=44
